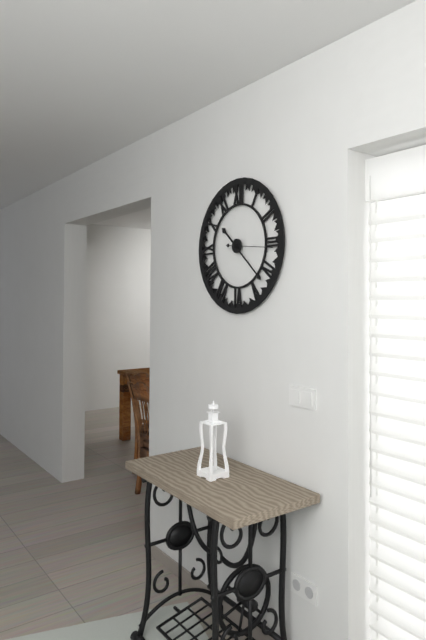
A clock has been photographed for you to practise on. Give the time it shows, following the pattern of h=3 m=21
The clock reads h=10 m=22
